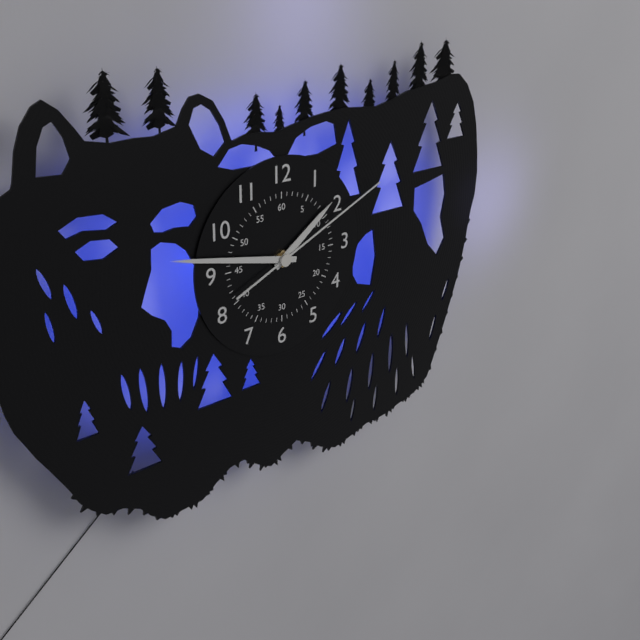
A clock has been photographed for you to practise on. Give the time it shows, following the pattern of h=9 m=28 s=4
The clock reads h=1 m=47 s=11
